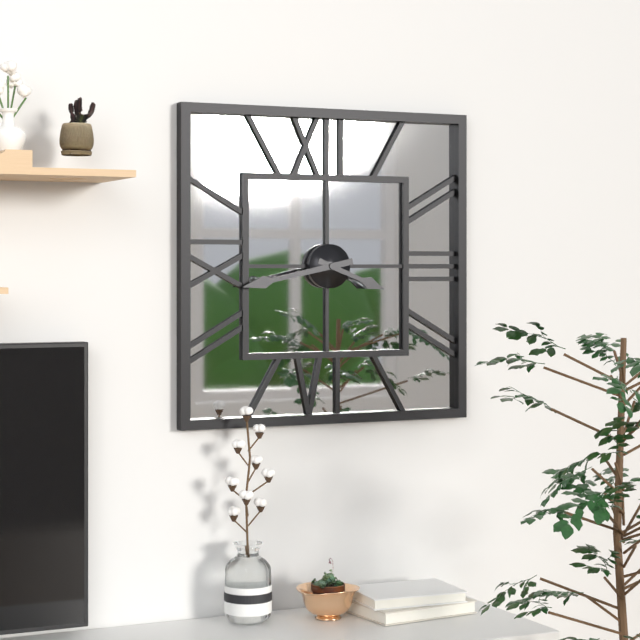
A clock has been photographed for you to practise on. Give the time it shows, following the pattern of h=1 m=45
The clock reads h=3 m=43
